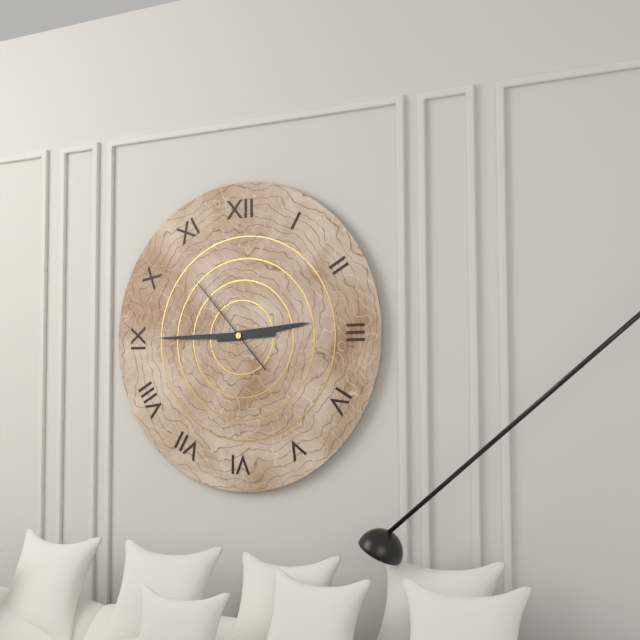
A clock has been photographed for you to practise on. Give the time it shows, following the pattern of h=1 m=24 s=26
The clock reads h=2 m=45 s=53
